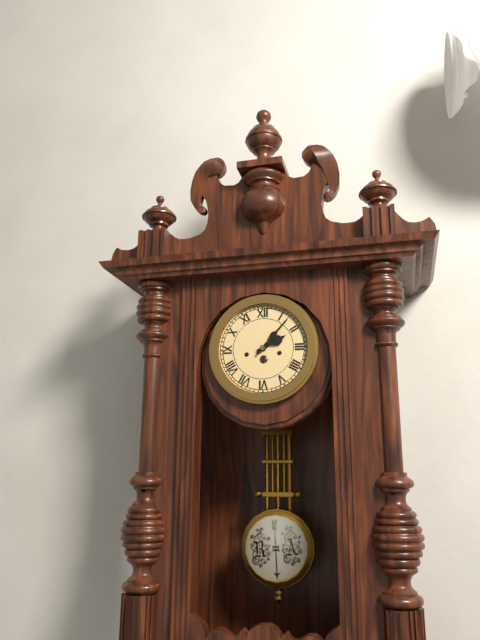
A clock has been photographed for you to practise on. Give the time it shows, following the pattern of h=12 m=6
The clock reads h=2 m=7
